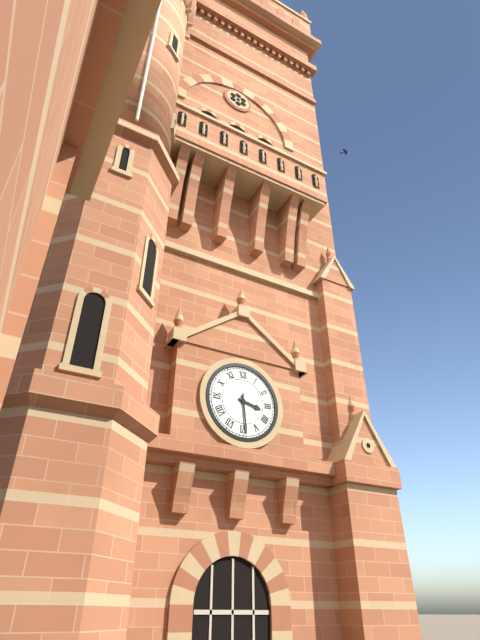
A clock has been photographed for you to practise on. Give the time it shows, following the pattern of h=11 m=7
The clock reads h=3 m=29
